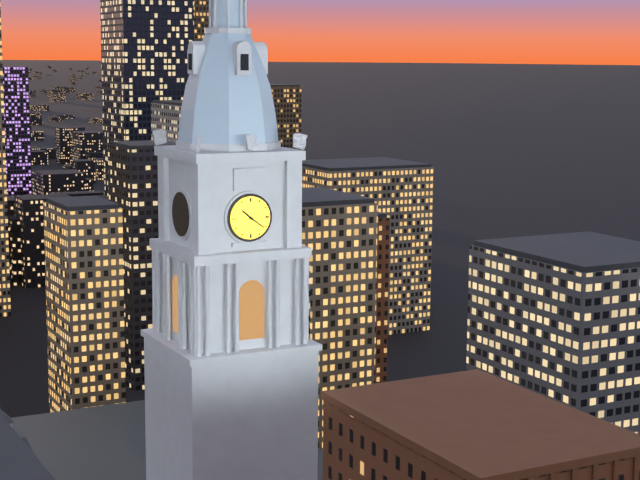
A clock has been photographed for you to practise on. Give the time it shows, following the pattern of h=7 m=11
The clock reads h=10 m=21
